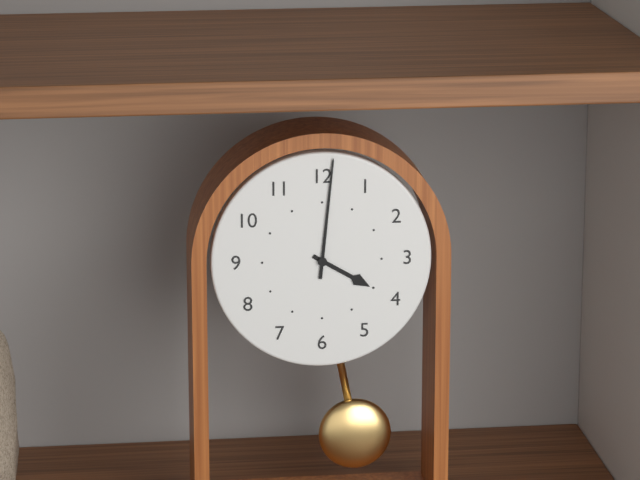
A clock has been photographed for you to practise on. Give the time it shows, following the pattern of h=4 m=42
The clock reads h=4 m=1
